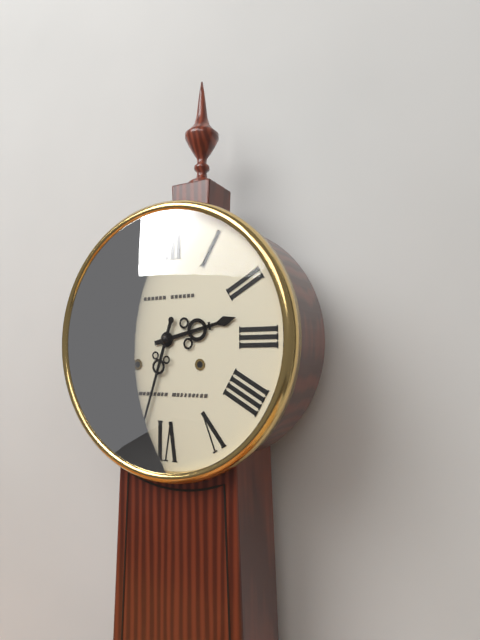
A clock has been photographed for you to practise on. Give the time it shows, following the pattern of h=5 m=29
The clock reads h=2 m=33
